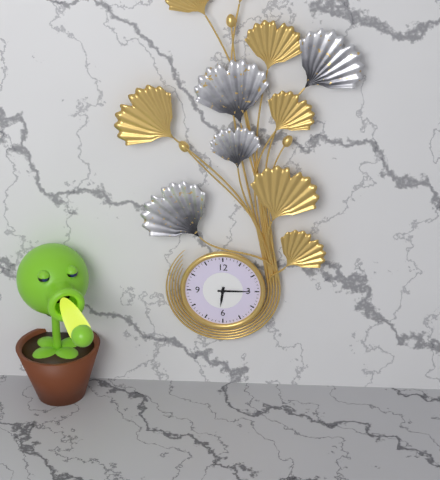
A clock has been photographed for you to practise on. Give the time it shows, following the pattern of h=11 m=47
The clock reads h=6 m=15
